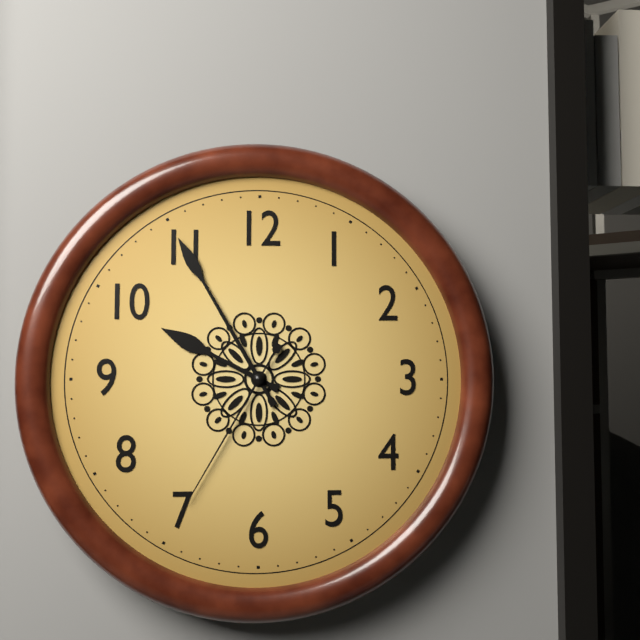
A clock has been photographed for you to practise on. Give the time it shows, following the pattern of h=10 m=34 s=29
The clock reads h=9 m=55 s=35
